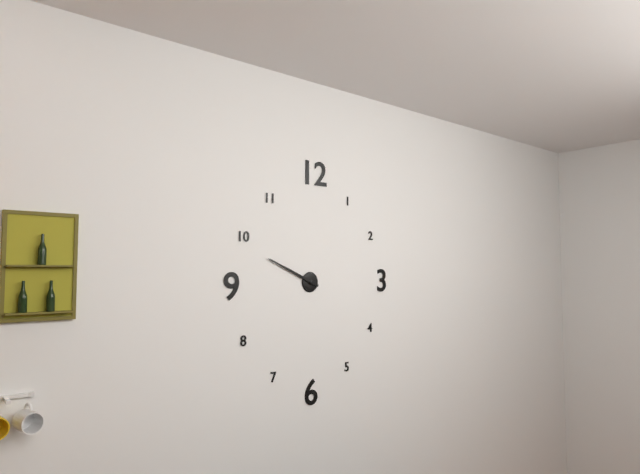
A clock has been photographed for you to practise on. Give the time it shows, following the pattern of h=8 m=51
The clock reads h=9 m=49
